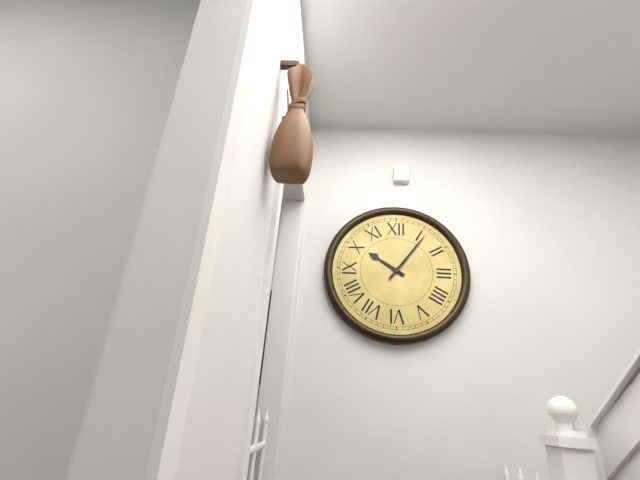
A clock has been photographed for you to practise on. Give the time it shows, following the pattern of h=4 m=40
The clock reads h=10 m=6
